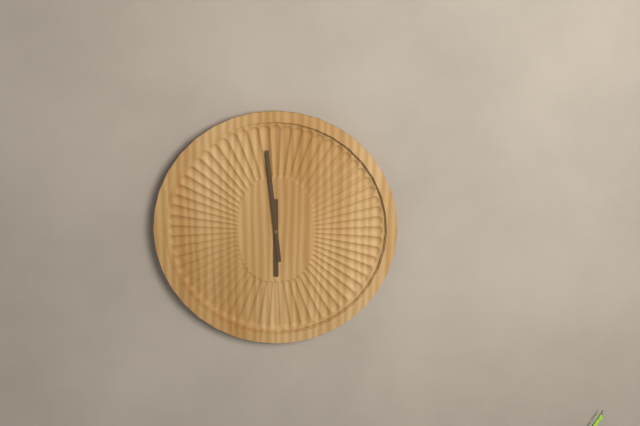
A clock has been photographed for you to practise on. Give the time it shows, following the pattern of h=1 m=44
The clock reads h=5 m=59
